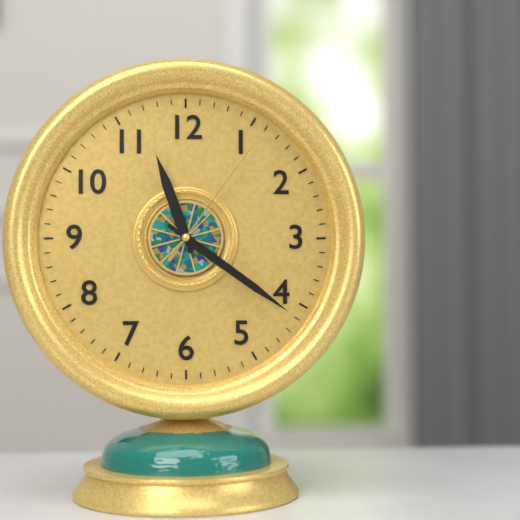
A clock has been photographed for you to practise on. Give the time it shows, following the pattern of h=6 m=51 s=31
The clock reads h=11 m=21 s=6
